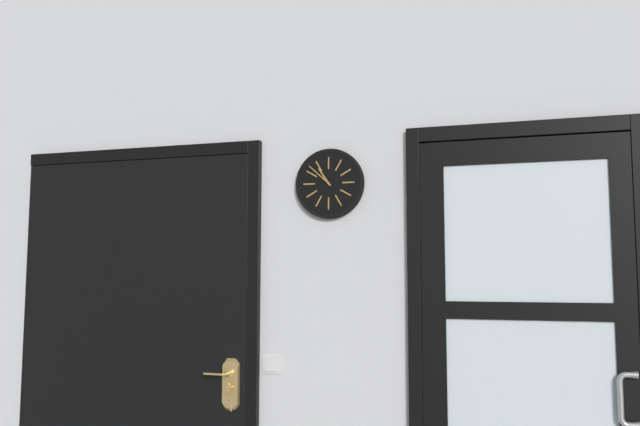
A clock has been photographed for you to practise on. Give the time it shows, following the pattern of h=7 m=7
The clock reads h=10 m=52
